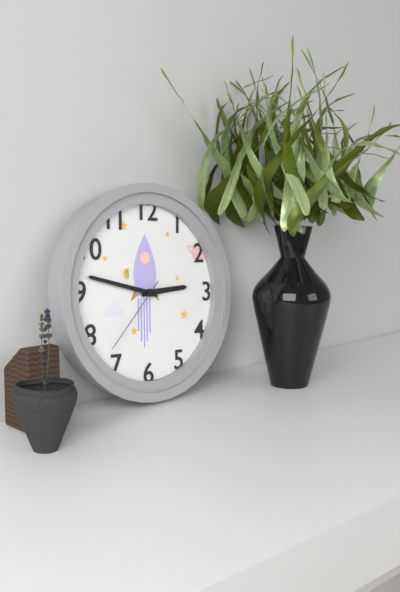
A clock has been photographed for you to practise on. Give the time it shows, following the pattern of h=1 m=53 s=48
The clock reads h=2 m=47 s=37
